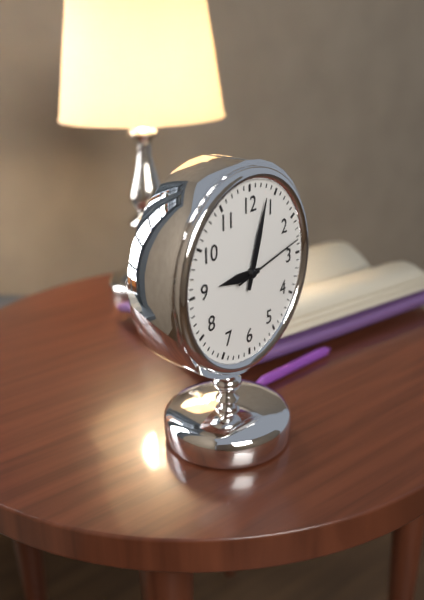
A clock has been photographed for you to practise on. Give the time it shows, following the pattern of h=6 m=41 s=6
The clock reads h=9 m=3 s=13
